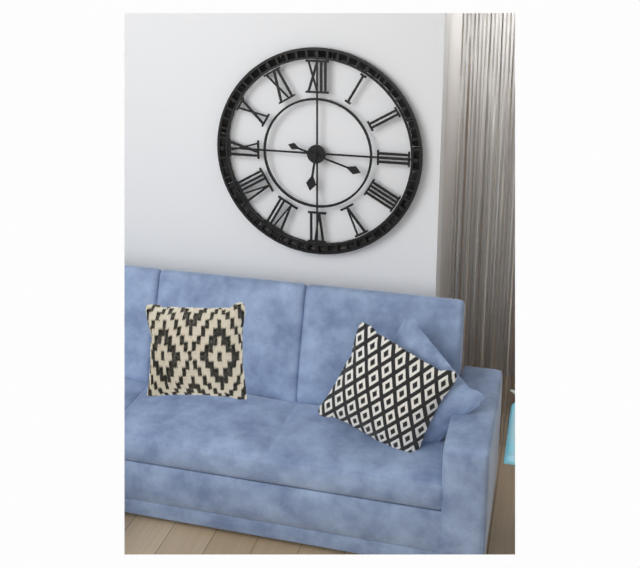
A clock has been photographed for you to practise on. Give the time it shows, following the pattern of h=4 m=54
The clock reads h=6 m=18
